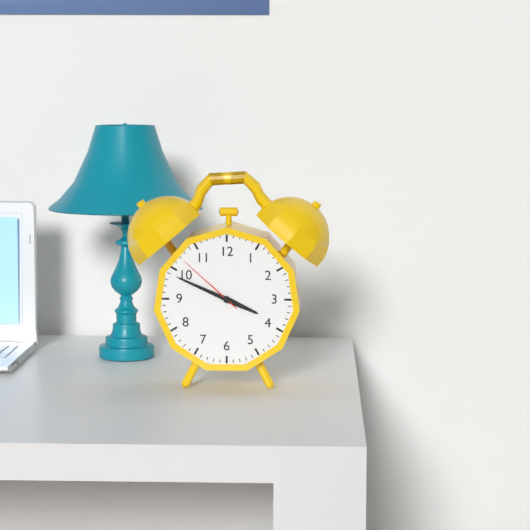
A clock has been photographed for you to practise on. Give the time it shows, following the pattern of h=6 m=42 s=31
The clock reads h=3 m=49 s=52
